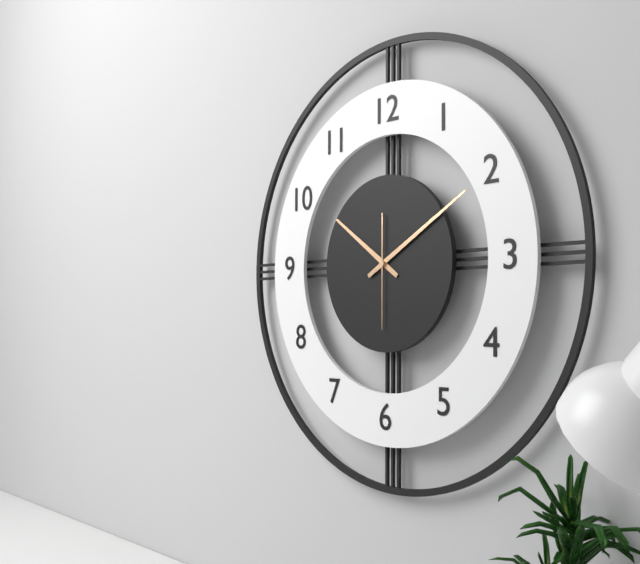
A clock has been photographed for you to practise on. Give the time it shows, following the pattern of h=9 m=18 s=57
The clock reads h=10 m=10 s=30
